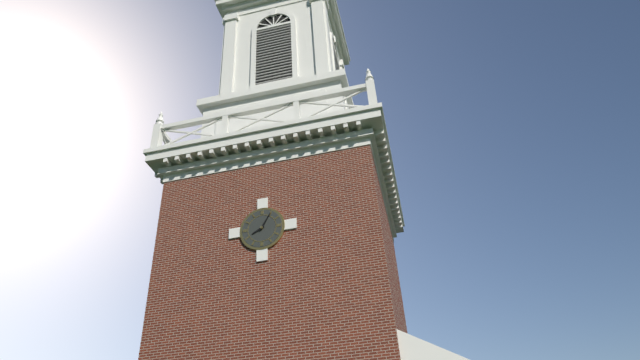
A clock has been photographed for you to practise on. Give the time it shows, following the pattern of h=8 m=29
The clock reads h=8 m=5
